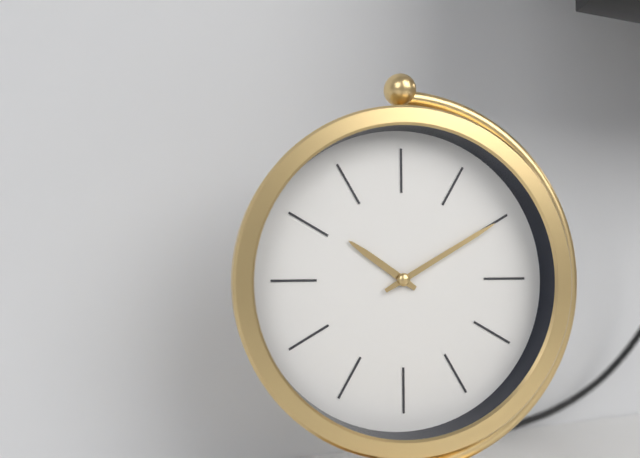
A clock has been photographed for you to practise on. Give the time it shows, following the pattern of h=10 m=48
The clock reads h=10 m=10
